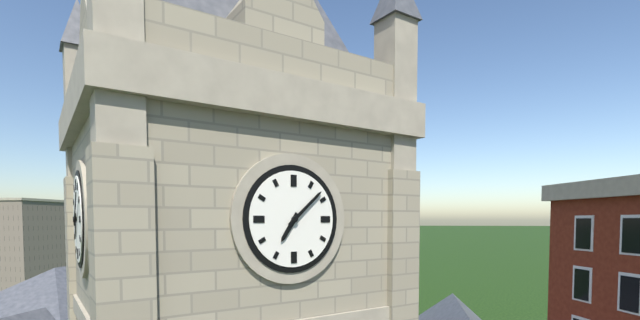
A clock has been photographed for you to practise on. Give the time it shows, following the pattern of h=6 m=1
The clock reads h=7 m=8
